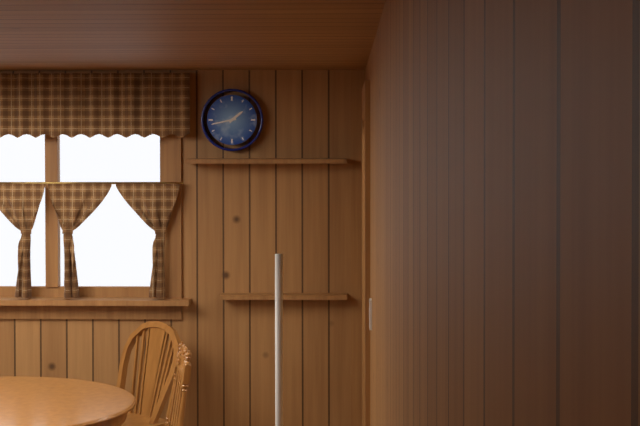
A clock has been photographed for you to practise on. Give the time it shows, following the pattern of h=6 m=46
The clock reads h=1 m=43
